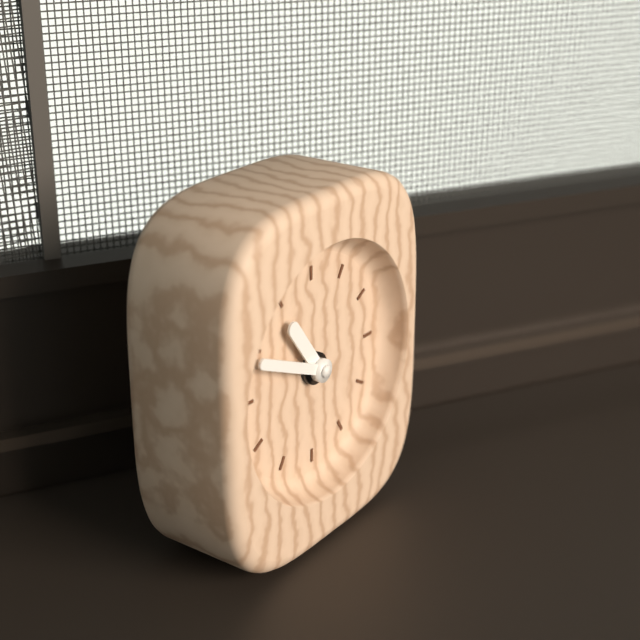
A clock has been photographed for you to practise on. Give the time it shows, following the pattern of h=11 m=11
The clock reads h=10 m=49
